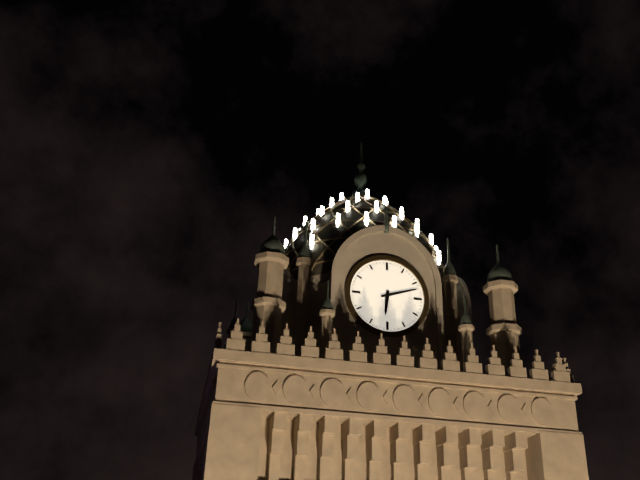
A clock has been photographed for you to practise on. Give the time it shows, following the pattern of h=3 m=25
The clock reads h=6 m=12
